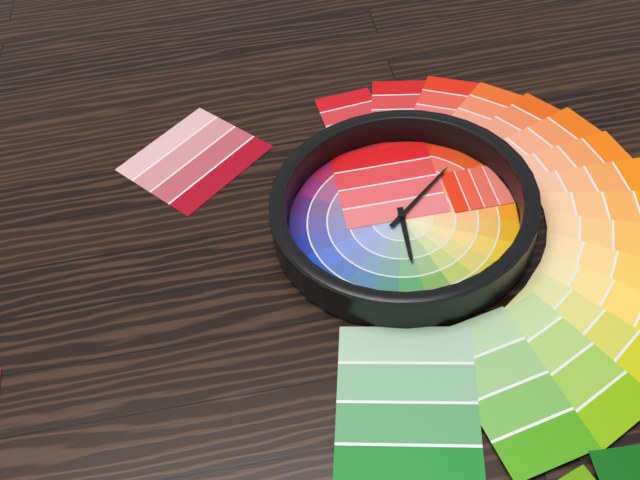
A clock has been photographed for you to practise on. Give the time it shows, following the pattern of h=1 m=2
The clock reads h=6 m=8
